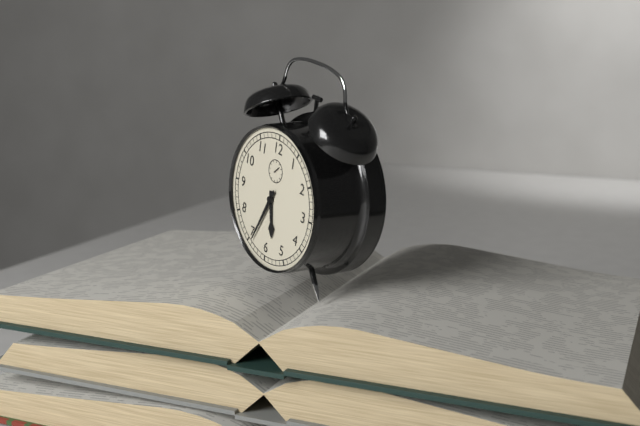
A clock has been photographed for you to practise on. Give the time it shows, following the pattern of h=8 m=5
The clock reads h=5 m=34
